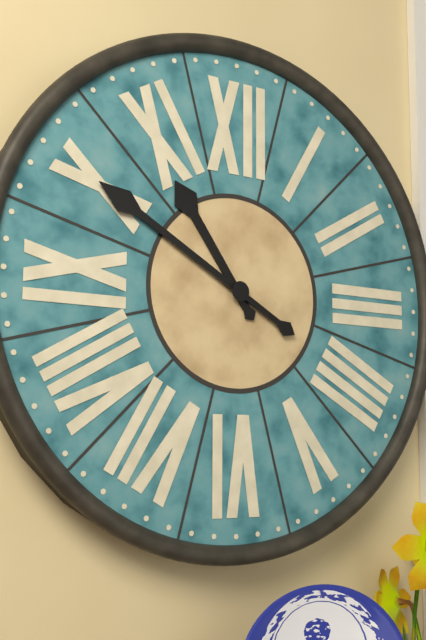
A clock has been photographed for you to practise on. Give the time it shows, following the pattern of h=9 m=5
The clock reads h=10 m=50
